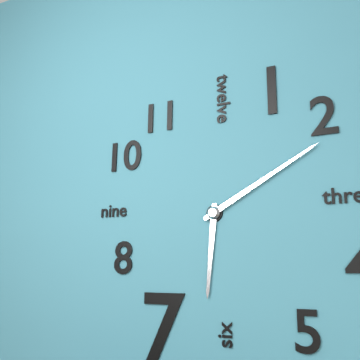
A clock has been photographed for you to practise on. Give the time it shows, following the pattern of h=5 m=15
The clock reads h=6 m=10
